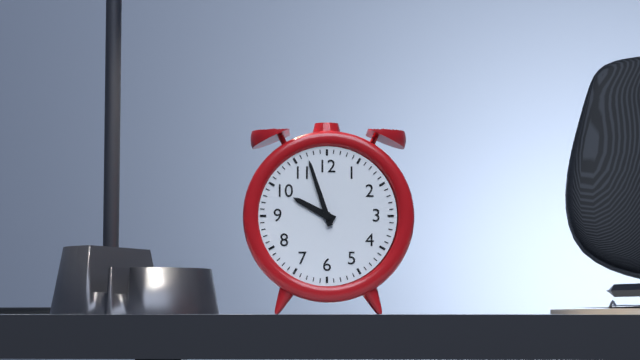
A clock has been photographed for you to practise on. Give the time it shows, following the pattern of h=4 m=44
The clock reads h=9 m=57
